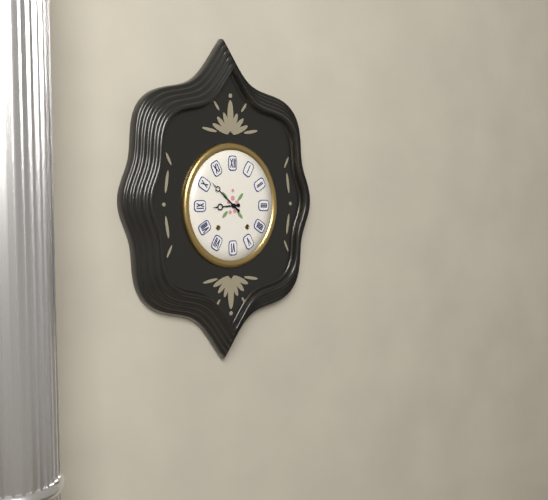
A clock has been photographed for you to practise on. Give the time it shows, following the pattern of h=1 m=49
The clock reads h=8 m=52
